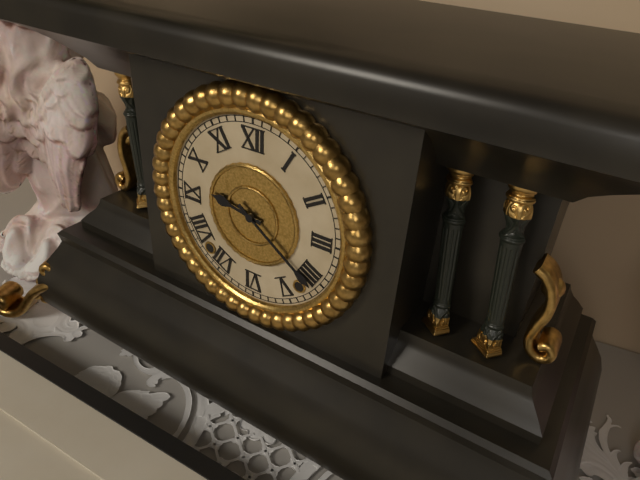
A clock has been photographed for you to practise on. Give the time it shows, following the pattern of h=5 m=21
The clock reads h=9 m=21
